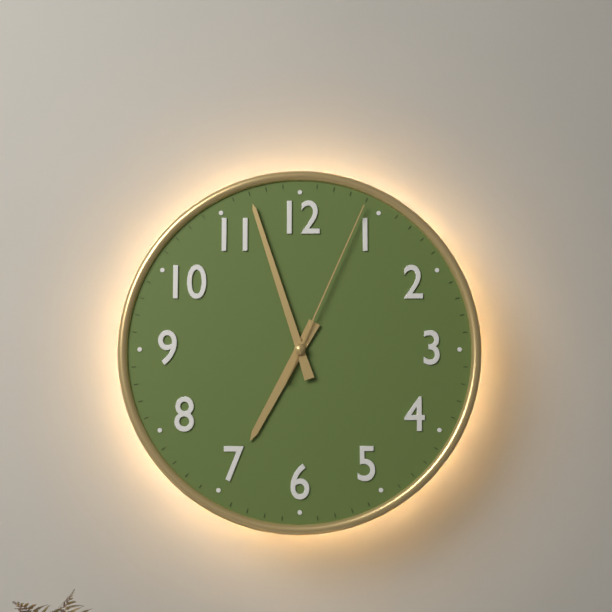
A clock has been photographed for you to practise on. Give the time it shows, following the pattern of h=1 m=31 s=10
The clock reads h=6 m=57 s=4
